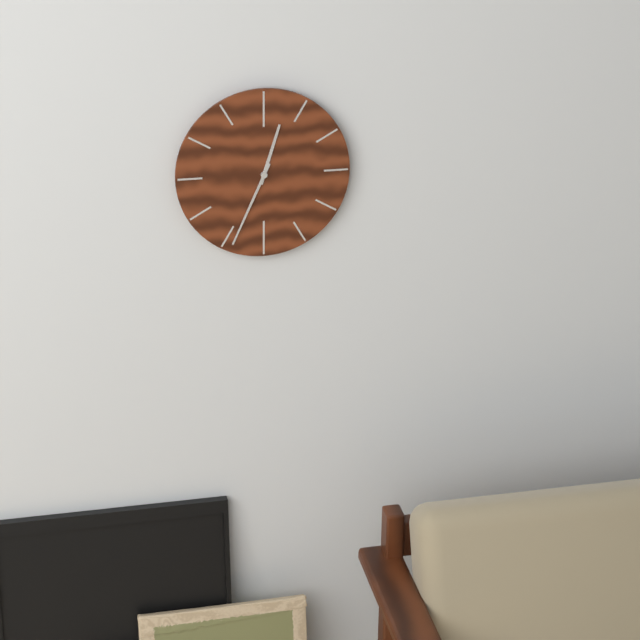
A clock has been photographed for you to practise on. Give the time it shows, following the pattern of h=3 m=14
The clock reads h=12 m=34
